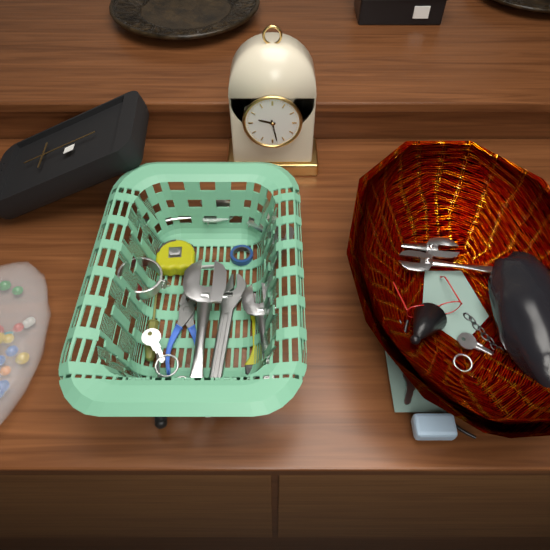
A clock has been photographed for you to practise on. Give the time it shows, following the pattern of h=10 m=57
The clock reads h=9 m=28
